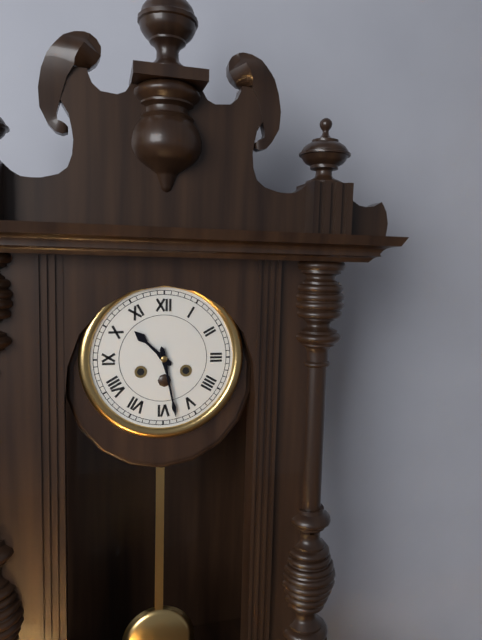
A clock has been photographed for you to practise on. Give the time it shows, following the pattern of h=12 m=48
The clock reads h=10 m=28
